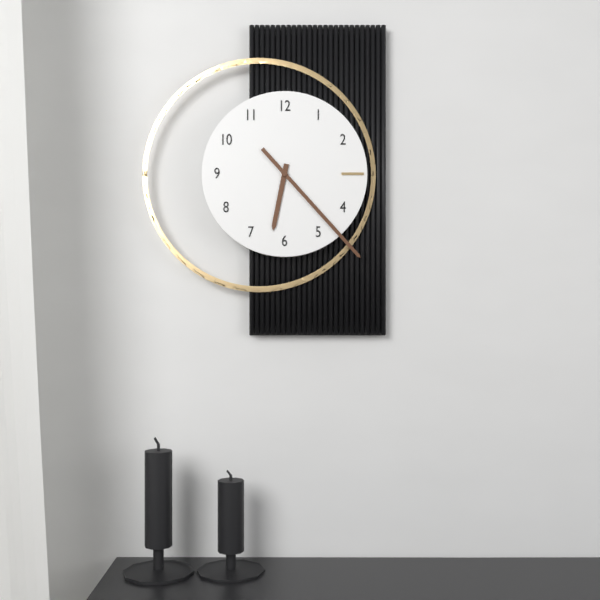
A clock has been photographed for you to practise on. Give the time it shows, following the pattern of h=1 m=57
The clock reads h=6 m=23
